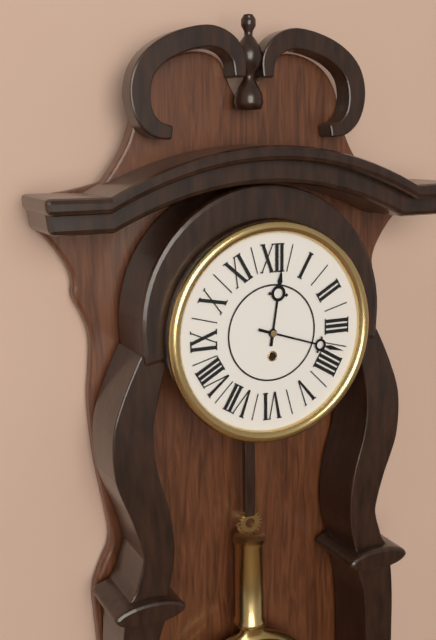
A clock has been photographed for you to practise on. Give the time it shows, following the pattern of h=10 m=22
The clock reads h=12 m=18
